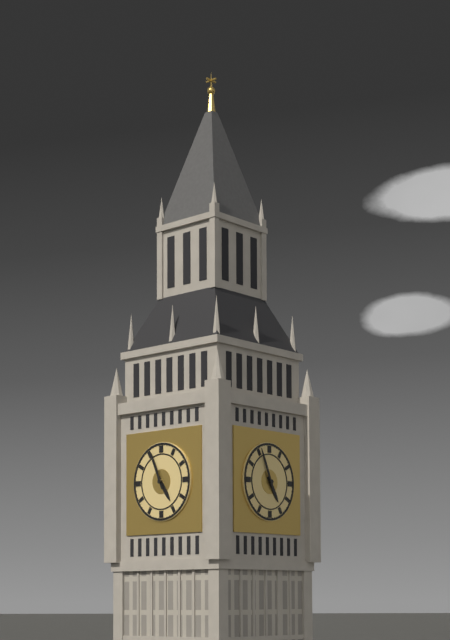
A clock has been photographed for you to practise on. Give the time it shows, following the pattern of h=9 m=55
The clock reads h=4 m=56
